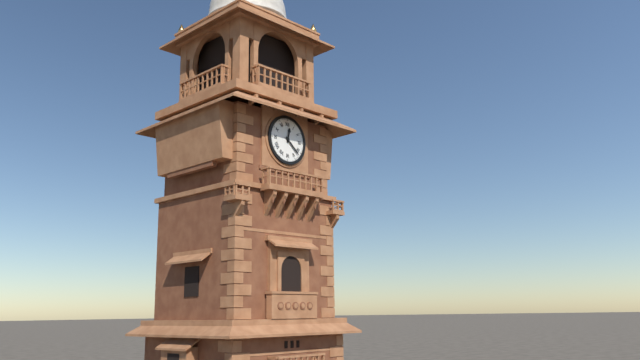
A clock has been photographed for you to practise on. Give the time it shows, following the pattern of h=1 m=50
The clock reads h=12 m=22
